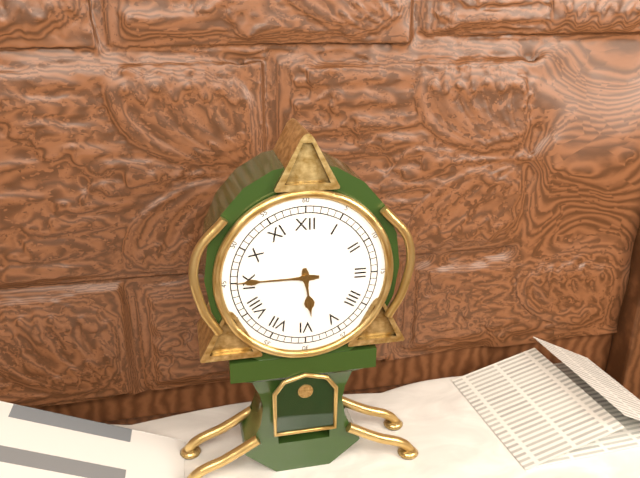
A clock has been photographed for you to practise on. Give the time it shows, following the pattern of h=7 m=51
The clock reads h=5 m=45
